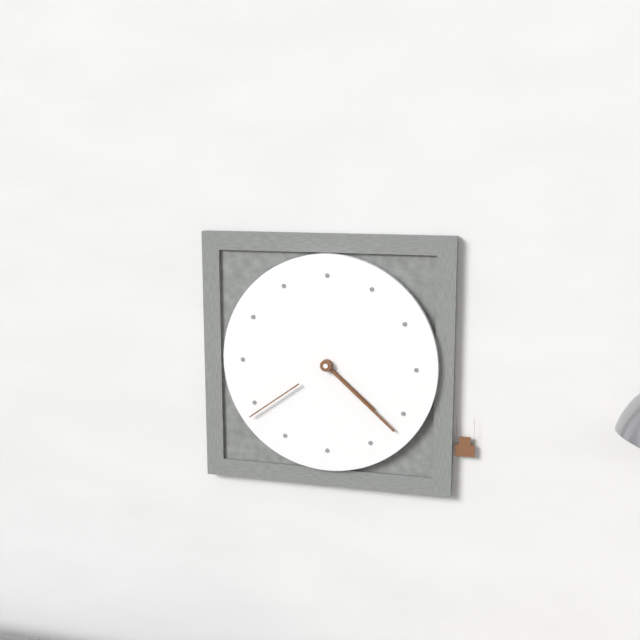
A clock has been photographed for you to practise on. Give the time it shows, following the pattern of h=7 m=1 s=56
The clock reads h=4 m=22 s=39
